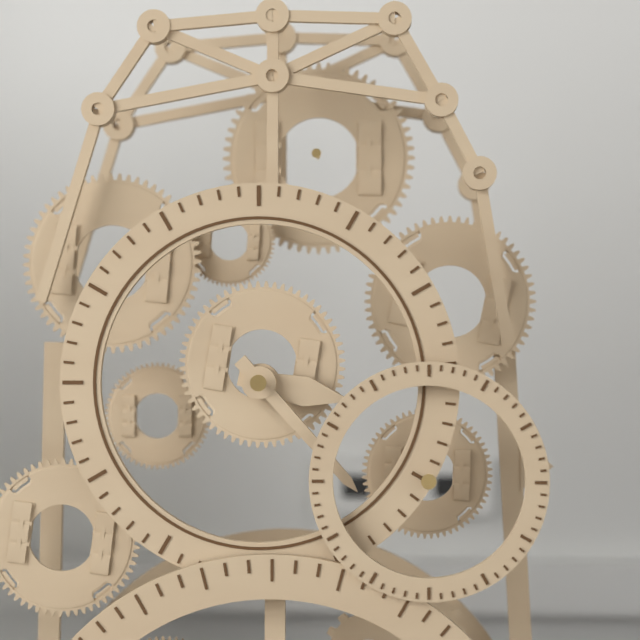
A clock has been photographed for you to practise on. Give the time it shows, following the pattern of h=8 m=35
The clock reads h=3 m=23
